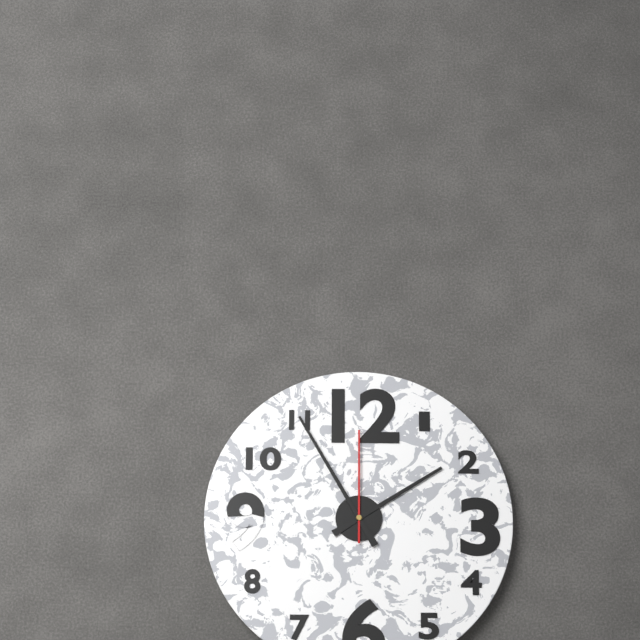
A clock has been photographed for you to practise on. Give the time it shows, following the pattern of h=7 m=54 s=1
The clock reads h=1 m=55 s=0
